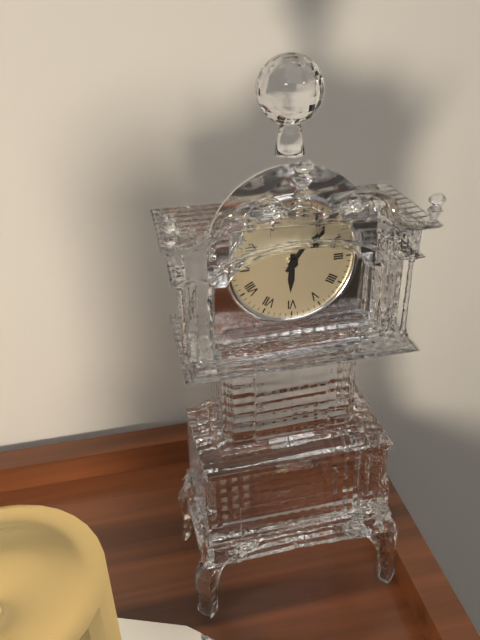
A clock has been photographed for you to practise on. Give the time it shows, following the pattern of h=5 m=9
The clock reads h=6 m=6
